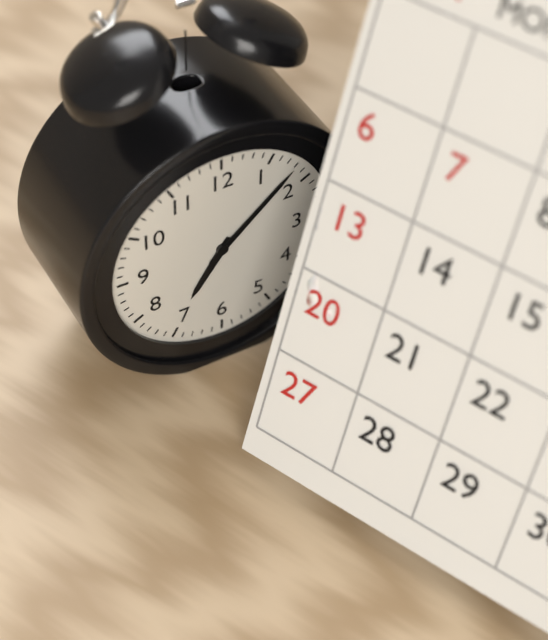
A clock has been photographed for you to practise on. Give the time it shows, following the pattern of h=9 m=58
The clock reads h=7 m=8
